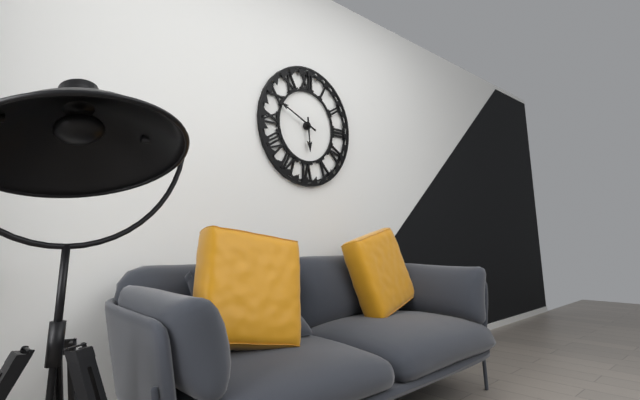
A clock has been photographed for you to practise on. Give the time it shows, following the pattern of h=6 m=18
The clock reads h=5 m=49
